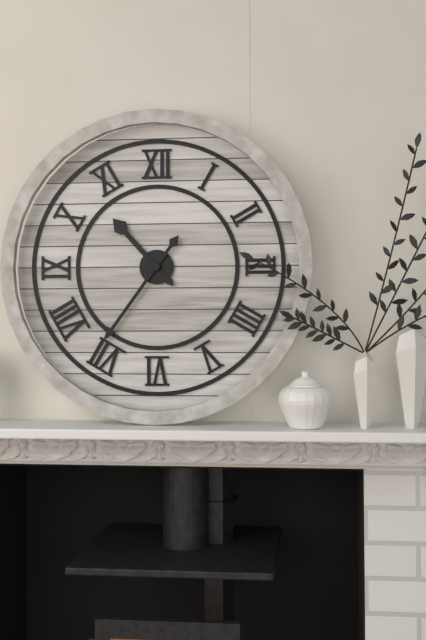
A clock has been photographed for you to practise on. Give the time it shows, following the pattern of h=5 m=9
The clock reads h=10 m=36
